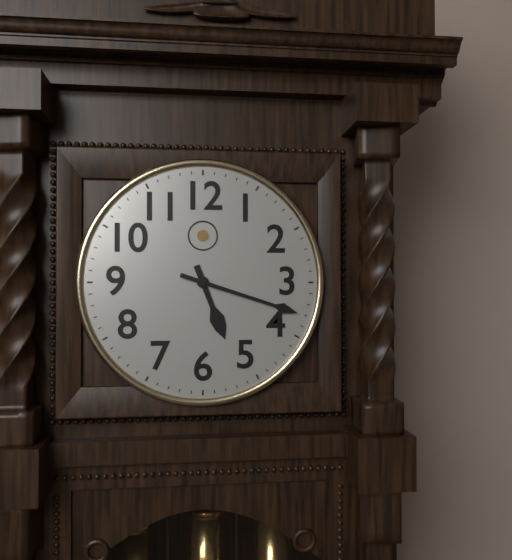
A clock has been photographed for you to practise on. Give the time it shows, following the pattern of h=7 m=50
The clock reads h=5 m=18
